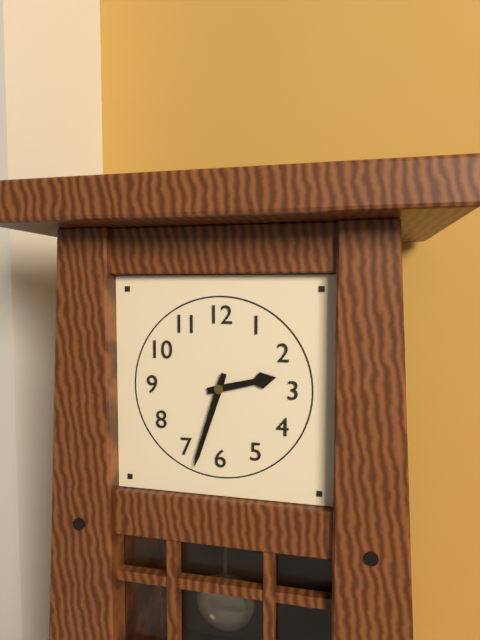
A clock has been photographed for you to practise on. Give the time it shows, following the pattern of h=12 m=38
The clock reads h=2 m=33
